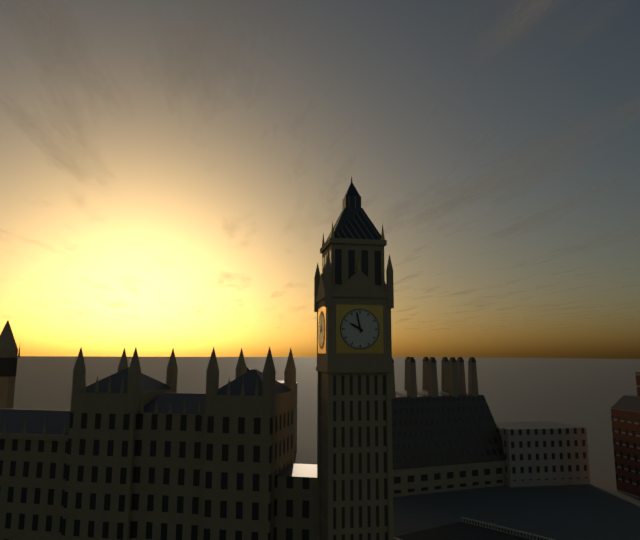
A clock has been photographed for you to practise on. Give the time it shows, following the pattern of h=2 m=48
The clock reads h=9 m=58
